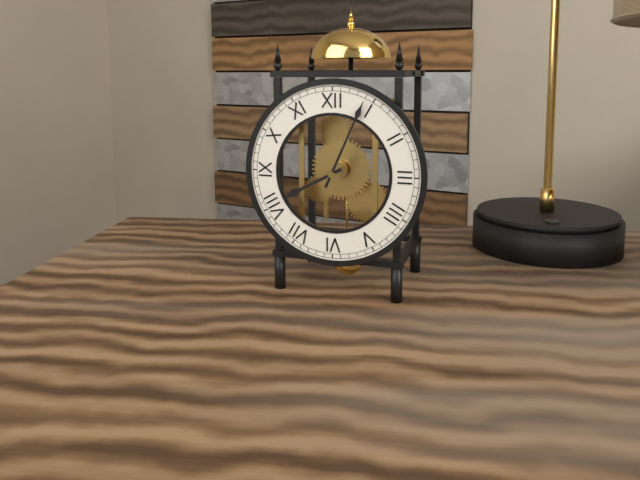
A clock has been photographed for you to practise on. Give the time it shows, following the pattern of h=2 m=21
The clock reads h=8 m=4
